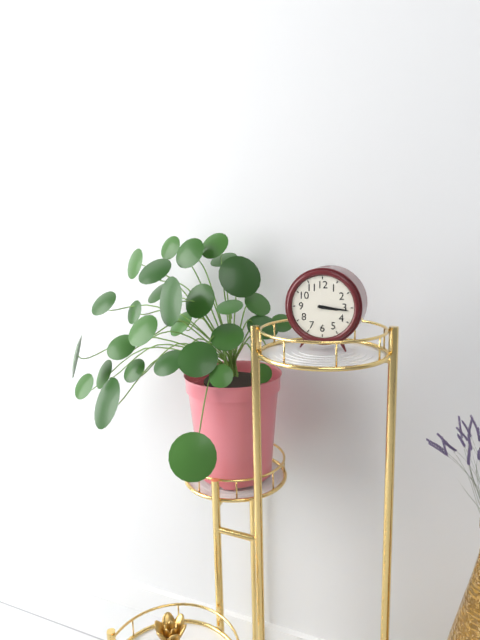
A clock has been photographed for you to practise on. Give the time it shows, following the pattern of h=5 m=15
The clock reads h=3 m=16
